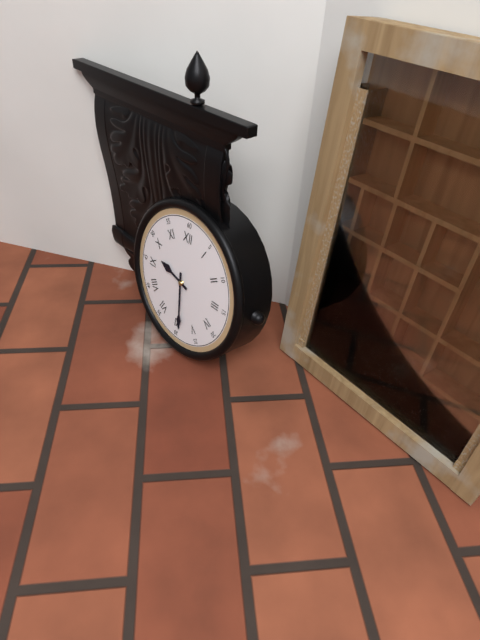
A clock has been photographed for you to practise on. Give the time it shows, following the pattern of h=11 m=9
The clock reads h=9 m=29
